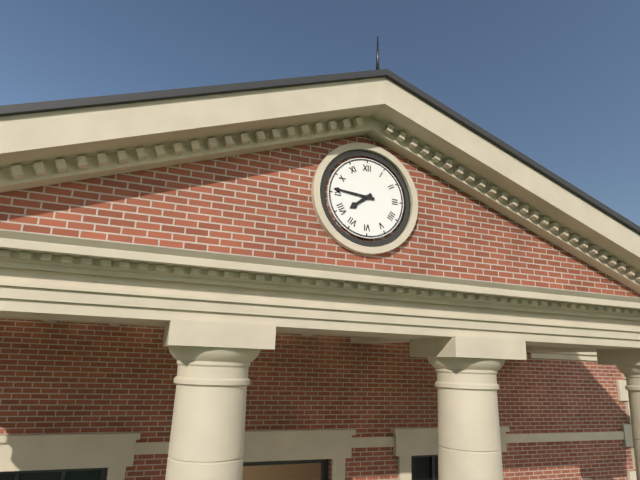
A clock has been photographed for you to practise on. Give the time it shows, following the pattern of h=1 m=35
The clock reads h=7 m=46
